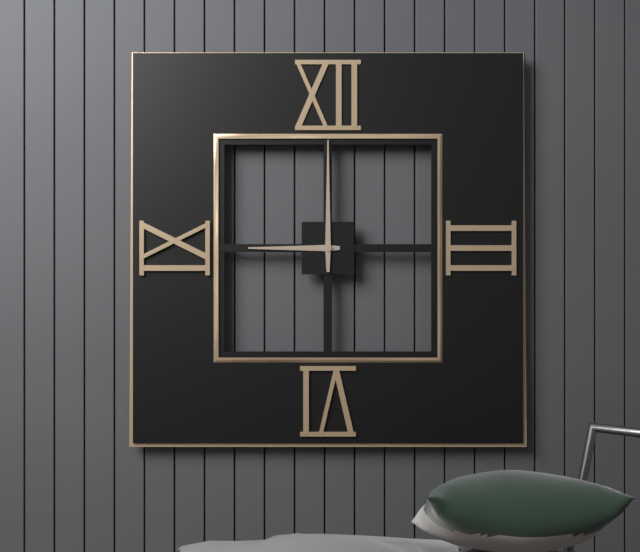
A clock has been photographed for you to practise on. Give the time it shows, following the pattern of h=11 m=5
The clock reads h=9 m=0
